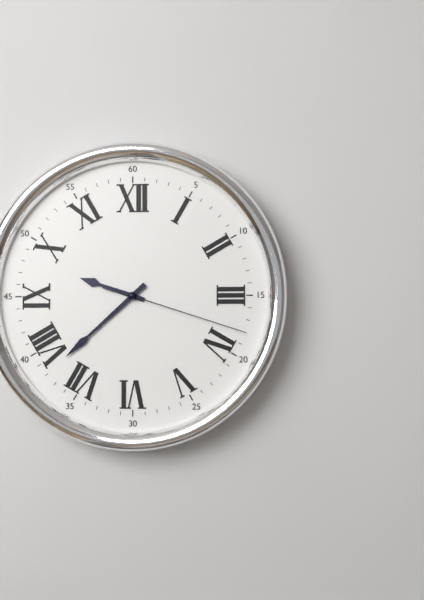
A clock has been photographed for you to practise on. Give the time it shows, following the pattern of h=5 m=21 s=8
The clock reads h=9 m=38 s=18
